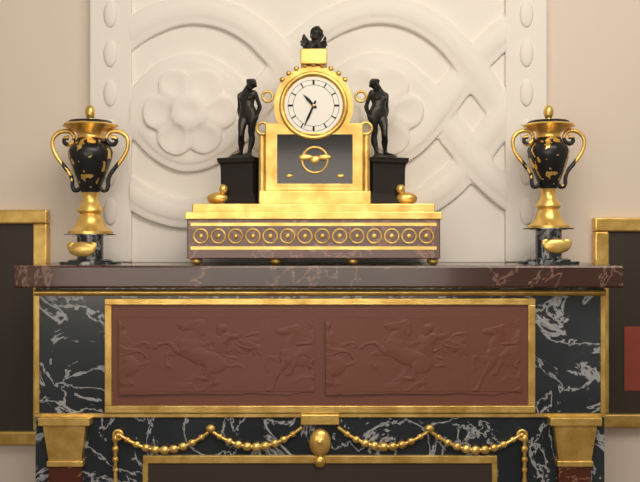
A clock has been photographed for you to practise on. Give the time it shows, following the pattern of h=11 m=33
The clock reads h=10 m=34
